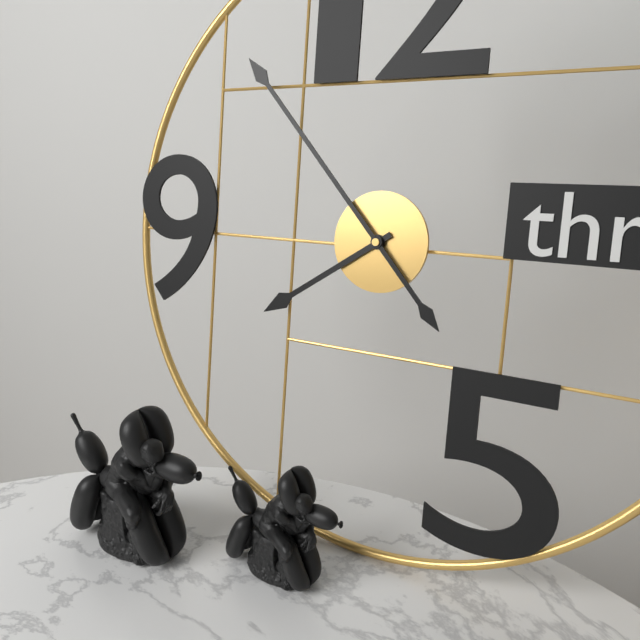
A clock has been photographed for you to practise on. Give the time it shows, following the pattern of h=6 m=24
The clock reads h=7 m=53
